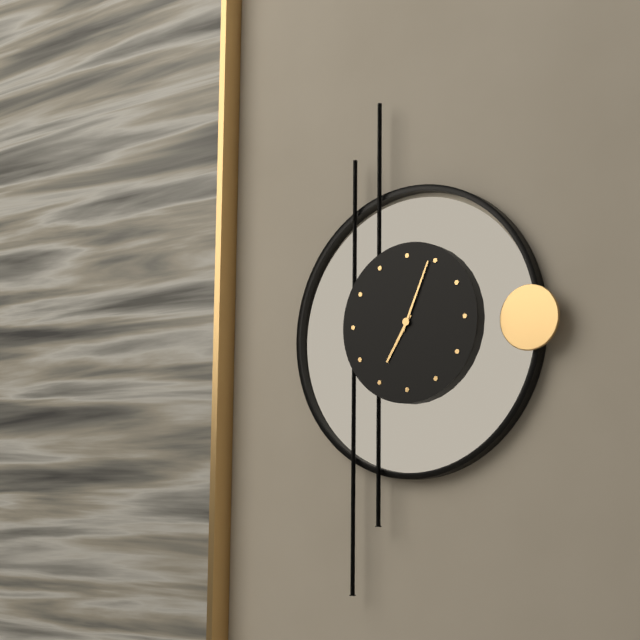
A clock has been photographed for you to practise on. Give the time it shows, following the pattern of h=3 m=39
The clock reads h=7 m=4
